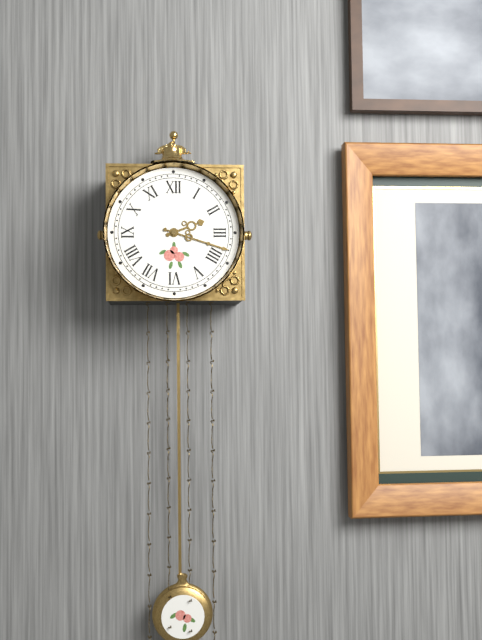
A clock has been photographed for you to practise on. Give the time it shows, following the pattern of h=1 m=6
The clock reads h=2 m=18
